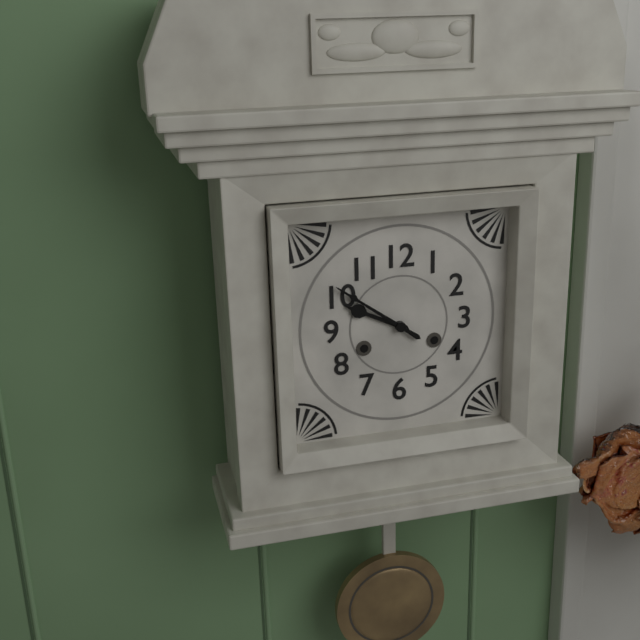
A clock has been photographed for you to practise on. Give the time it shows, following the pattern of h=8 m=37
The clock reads h=9 m=51
